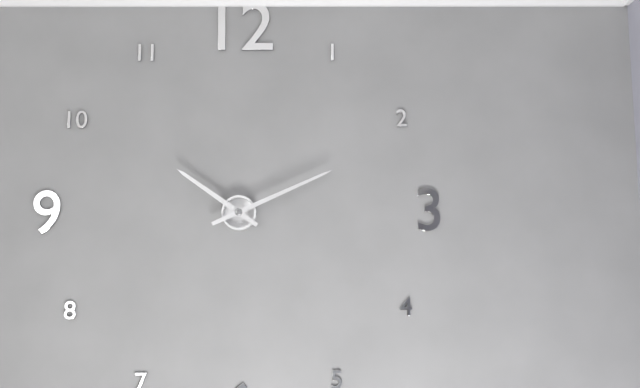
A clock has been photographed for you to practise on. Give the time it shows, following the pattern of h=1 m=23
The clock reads h=10 m=11
